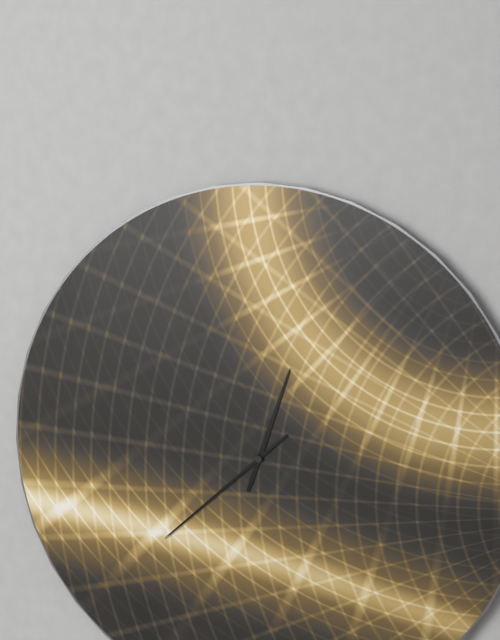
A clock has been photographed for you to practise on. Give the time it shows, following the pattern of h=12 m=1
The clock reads h=12 m=38
